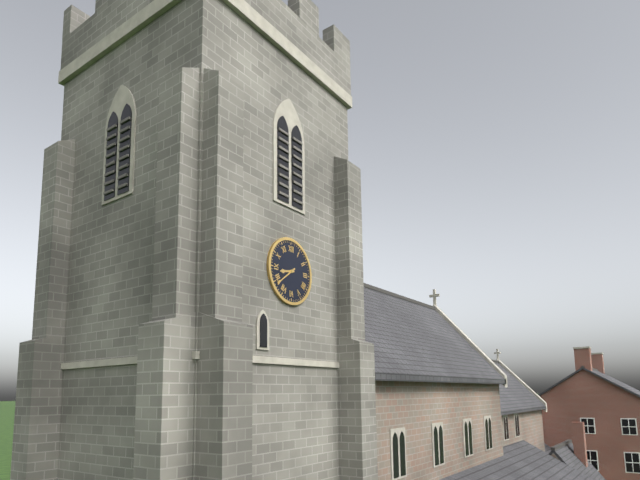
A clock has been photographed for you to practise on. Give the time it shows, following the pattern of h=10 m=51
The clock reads h=8 m=39
